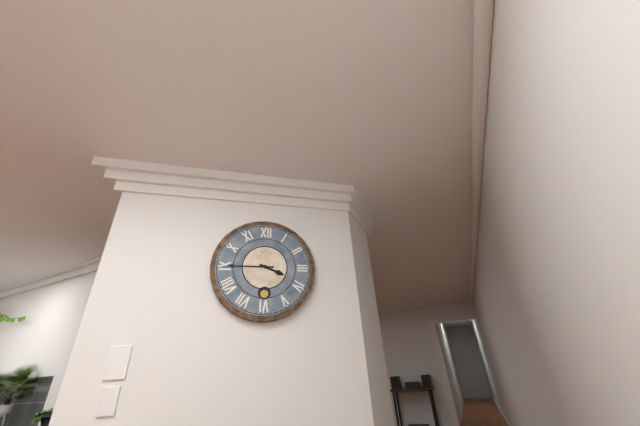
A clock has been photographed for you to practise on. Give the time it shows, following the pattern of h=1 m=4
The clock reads h=3 m=45
